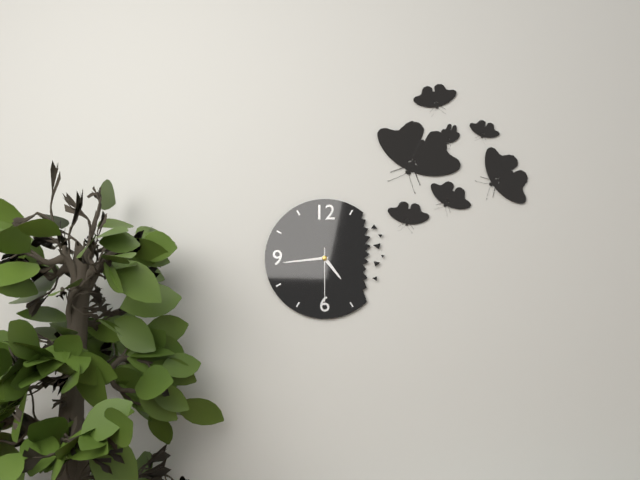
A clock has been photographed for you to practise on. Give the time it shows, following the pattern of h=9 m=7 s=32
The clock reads h=4 m=44 s=30
